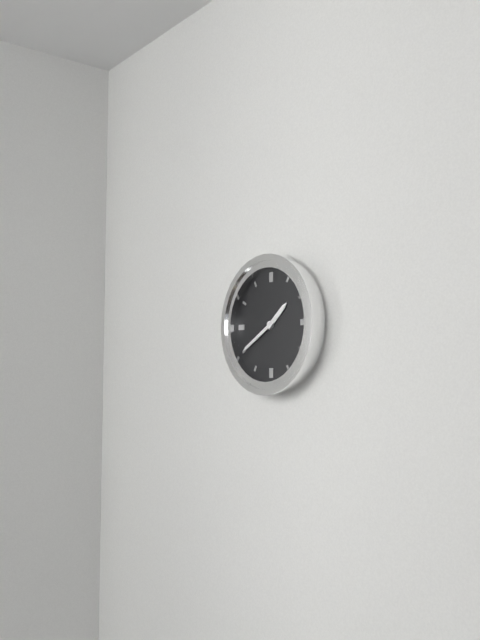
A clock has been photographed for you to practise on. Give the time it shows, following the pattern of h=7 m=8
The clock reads h=1 m=40
